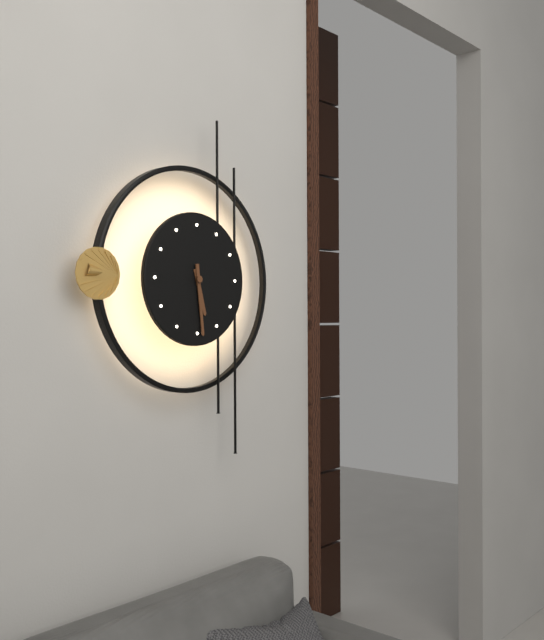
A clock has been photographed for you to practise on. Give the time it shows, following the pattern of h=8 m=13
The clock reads h=5 m=29
